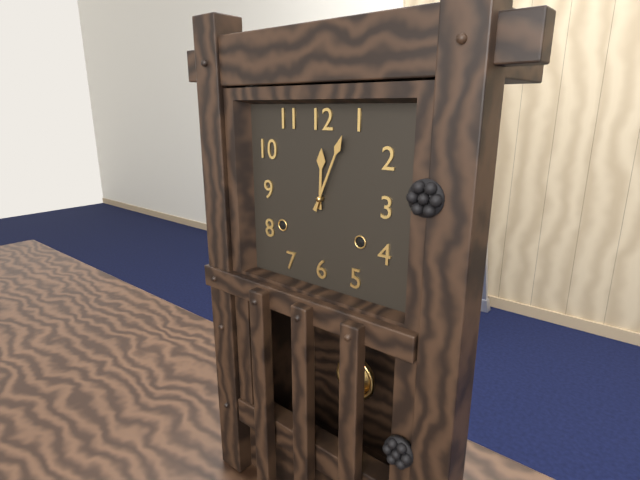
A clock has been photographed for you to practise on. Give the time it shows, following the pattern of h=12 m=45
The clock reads h=12 m=4
